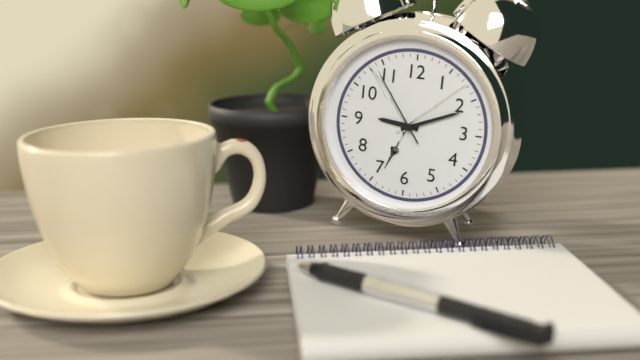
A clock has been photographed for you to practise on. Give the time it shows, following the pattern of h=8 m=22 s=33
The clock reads h=9 m=11 s=54
